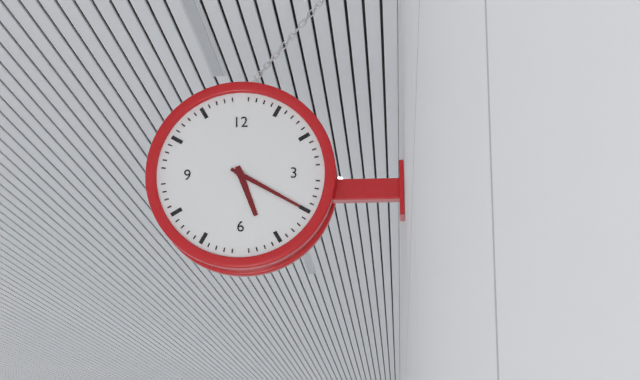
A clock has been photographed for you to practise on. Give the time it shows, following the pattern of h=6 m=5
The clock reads h=5 m=20
